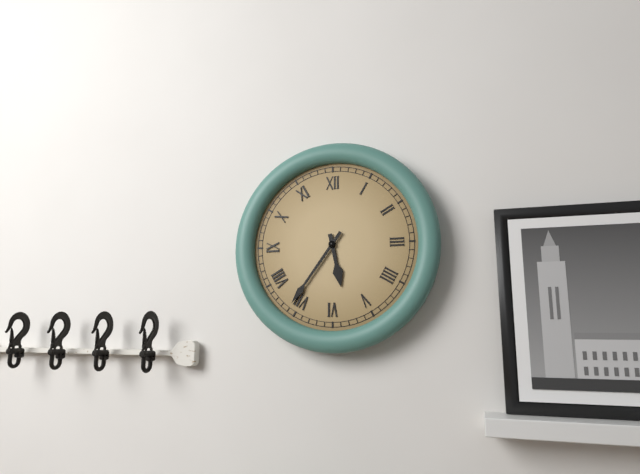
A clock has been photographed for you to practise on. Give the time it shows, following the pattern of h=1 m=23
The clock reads h=5 m=36
